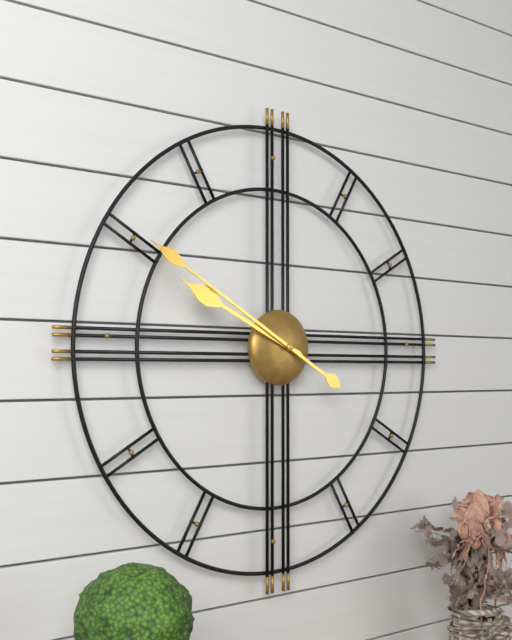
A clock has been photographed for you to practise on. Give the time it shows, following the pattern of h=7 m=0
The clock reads h=9 m=50
